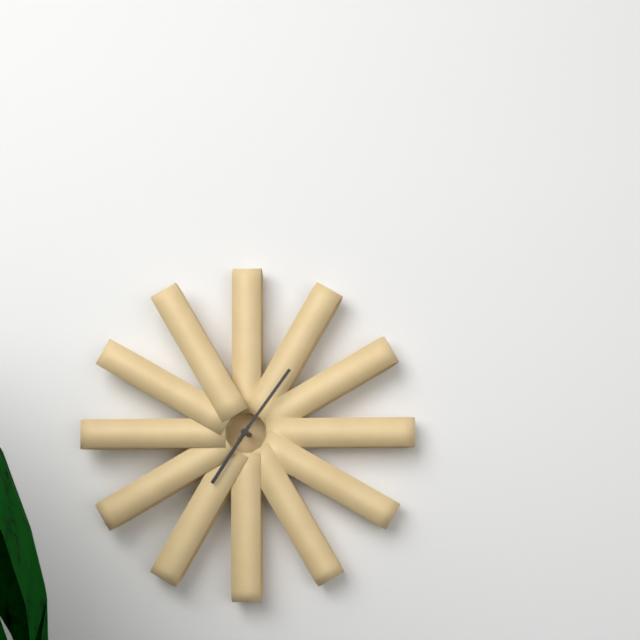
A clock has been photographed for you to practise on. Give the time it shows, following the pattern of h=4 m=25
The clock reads h=7 m=6
